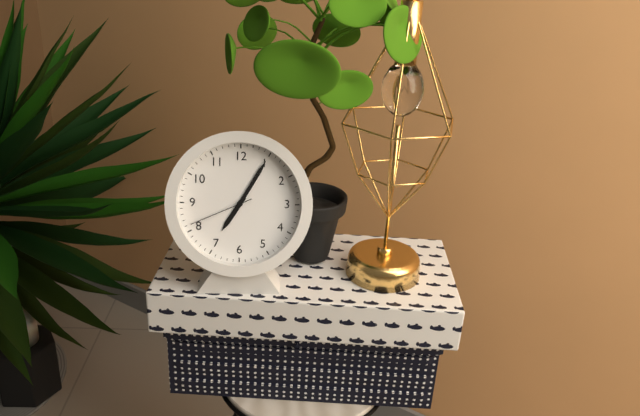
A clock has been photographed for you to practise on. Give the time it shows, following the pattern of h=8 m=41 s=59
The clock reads h=7 m=5 s=41
